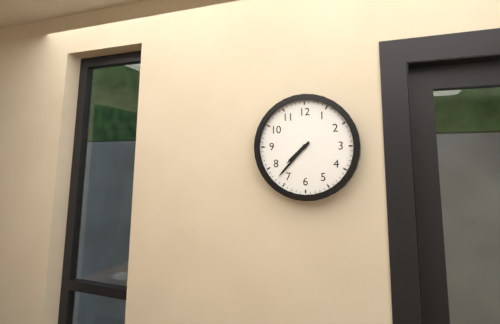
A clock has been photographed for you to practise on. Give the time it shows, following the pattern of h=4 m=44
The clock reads h=7 m=37
